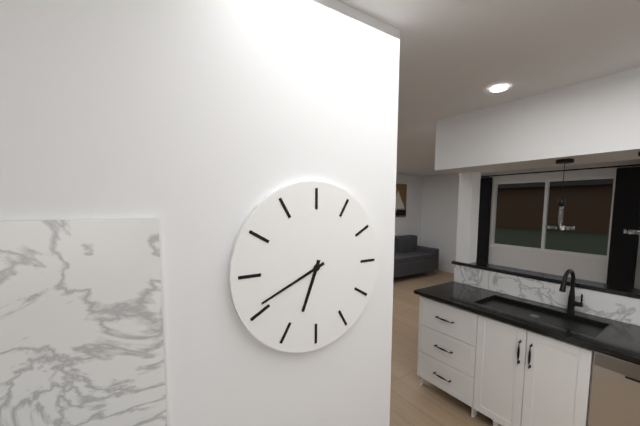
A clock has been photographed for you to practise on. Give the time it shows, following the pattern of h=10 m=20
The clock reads h=6 m=41
